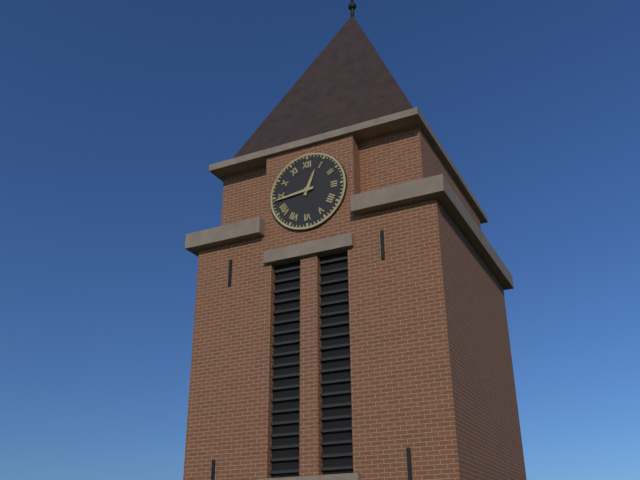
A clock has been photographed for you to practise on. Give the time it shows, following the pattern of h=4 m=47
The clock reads h=12 m=44
